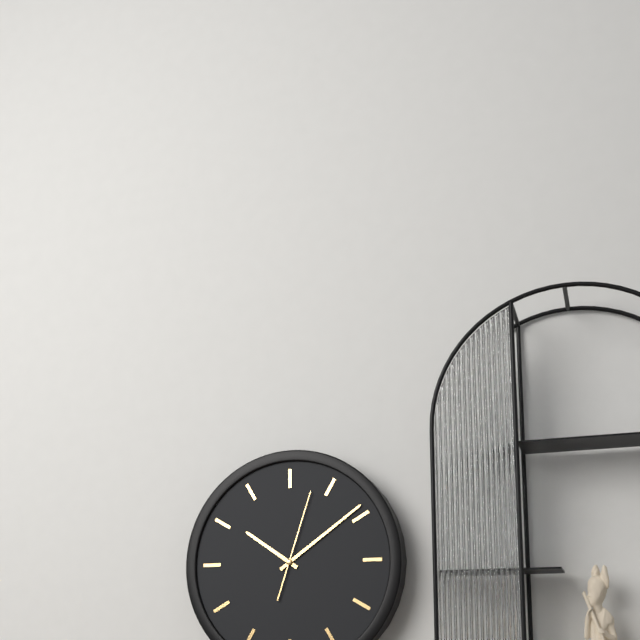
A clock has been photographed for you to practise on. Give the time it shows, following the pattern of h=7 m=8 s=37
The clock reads h=10 m=9 s=3
